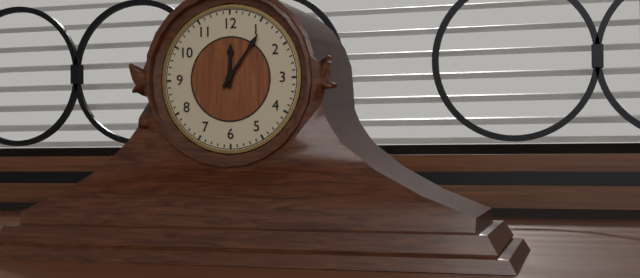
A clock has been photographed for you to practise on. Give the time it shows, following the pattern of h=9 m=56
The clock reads h=12 m=6
